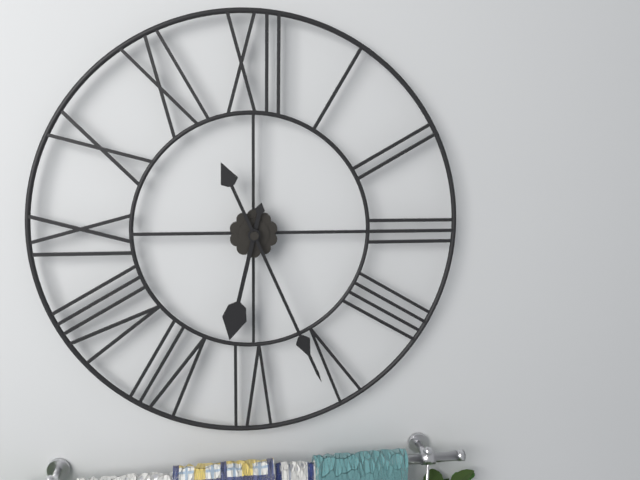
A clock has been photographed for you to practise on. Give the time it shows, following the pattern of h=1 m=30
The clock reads h=6 m=26
